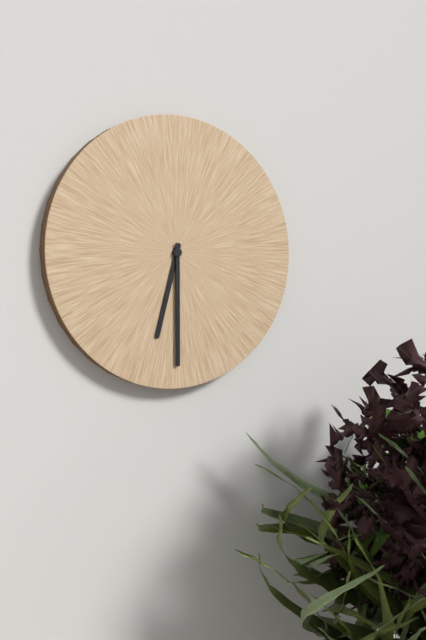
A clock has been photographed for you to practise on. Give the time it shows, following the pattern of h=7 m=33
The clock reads h=6 m=30
